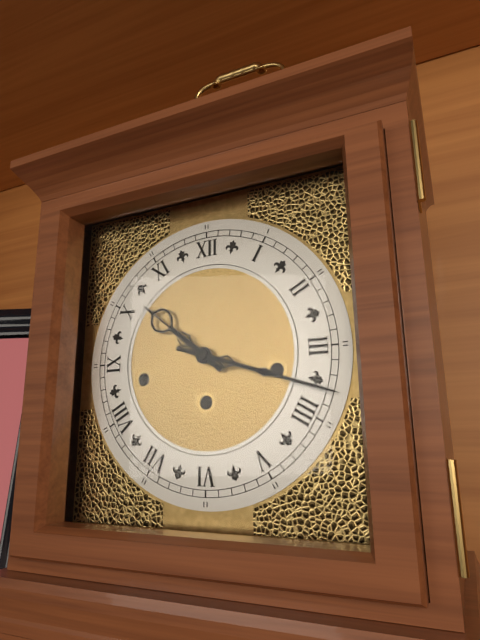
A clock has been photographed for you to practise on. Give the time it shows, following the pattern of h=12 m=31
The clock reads h=10 m=18
